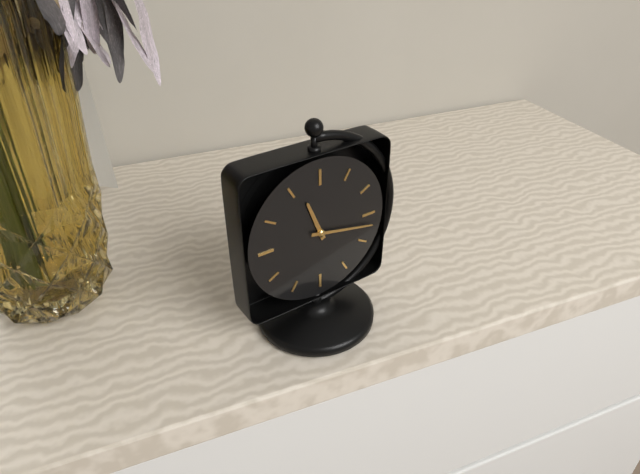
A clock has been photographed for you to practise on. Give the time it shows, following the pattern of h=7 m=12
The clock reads h=11 m=17
